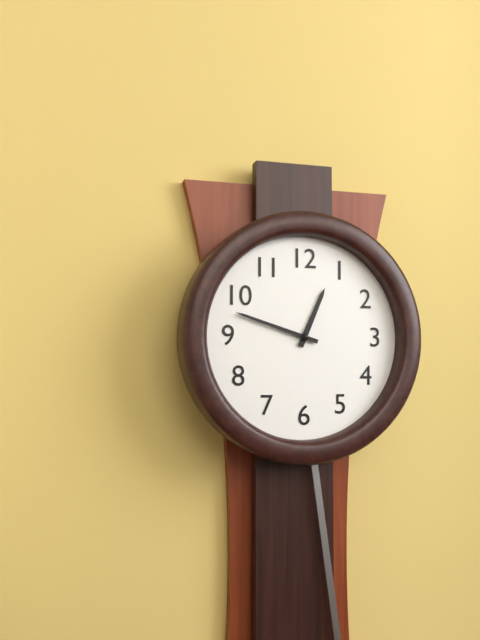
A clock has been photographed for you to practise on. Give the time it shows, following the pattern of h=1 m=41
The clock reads h=12 m=48
